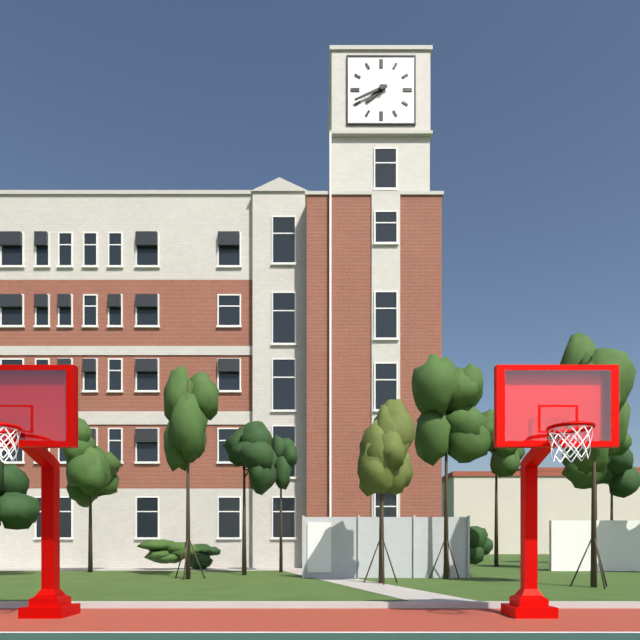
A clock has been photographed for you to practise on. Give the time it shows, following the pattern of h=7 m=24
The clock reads h=7 m=41
